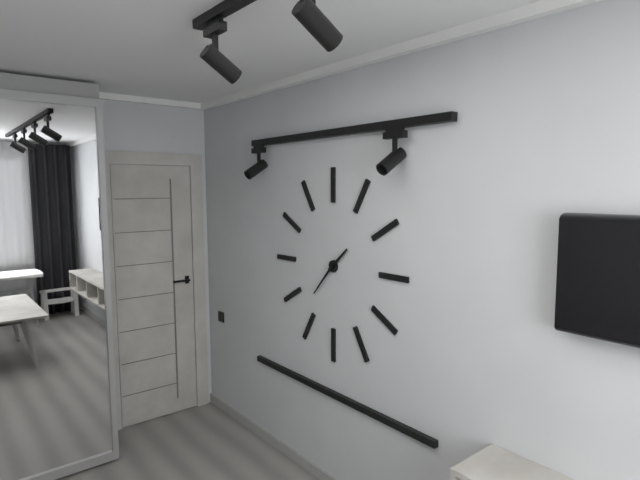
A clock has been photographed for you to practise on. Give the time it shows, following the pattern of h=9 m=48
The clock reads h=1 m=37
